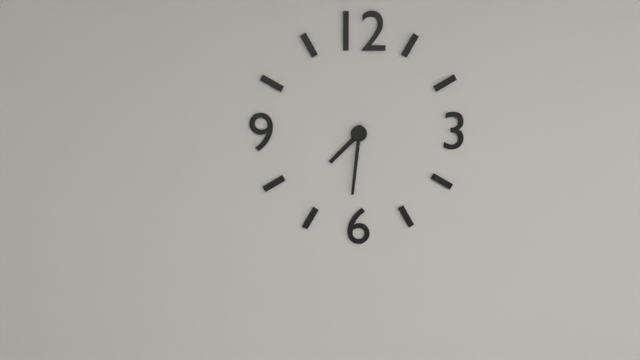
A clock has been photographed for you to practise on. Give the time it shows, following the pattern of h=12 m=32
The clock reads h=7 m=31
